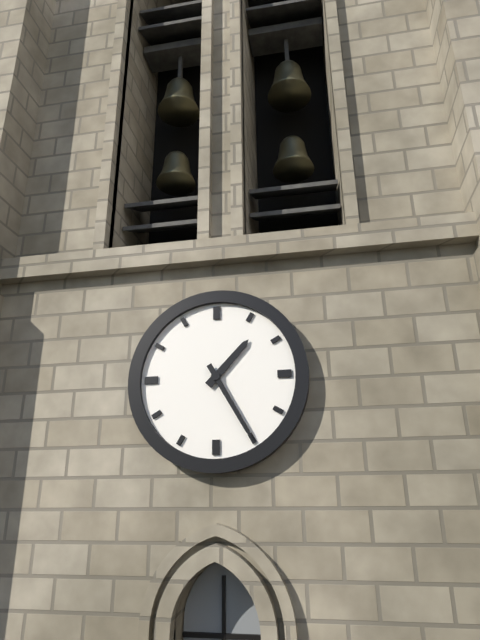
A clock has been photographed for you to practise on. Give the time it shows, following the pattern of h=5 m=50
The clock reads h=1 m=25
